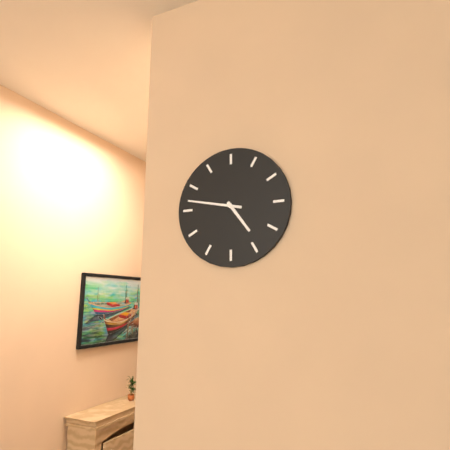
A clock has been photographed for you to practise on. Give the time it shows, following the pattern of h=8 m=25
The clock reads h=4 m=47
